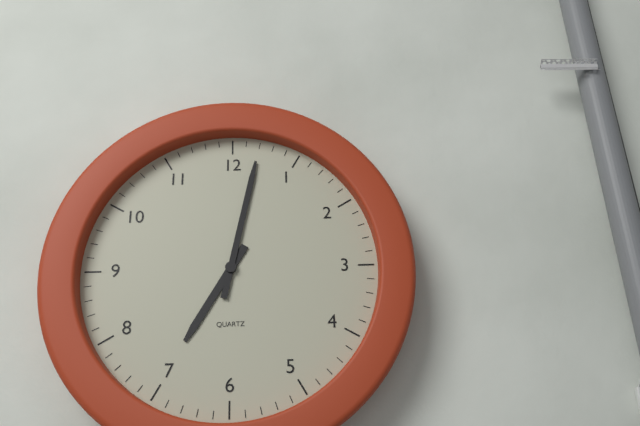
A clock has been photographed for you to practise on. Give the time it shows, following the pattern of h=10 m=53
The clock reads h=7 m=2
